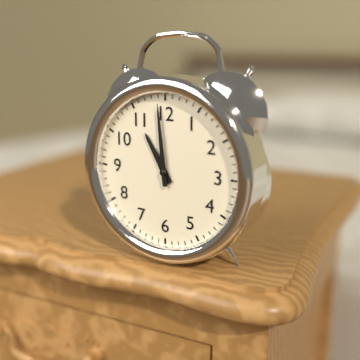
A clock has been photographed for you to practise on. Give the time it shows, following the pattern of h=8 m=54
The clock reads h=10 m=59
